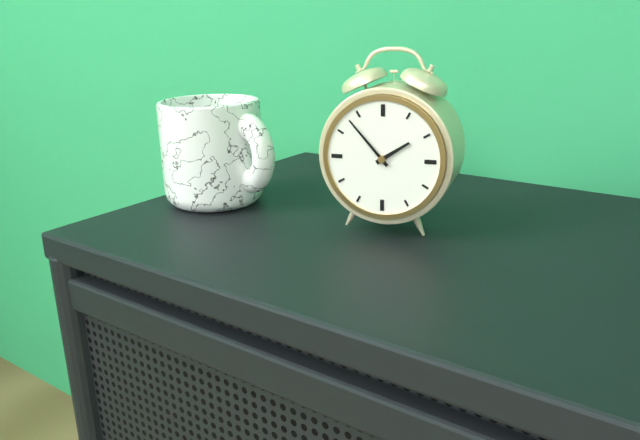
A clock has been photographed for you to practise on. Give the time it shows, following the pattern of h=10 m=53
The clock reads h=1 m=53
